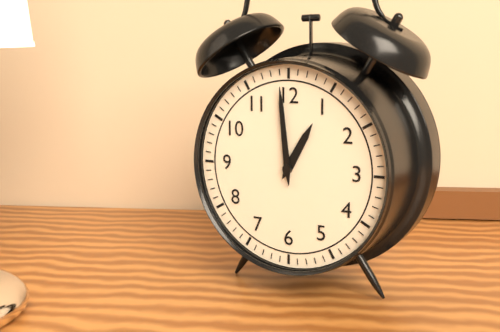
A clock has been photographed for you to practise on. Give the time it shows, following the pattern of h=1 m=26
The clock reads h=12 m=59
